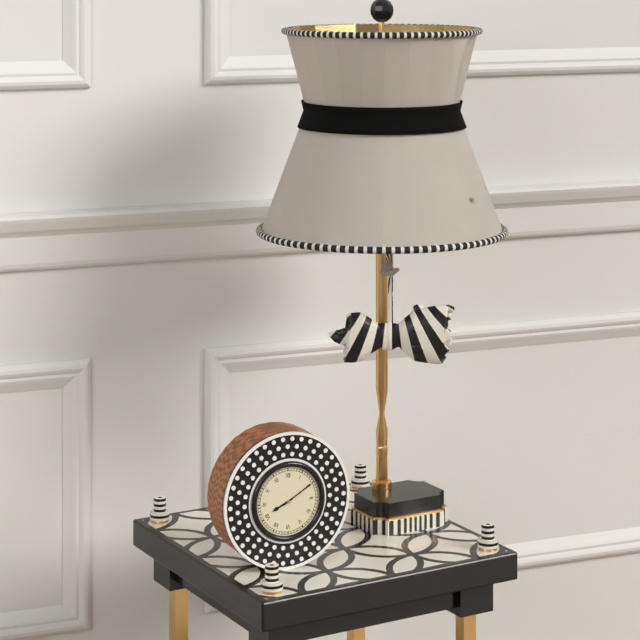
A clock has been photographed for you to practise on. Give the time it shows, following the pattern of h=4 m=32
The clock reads h=8 m=10
